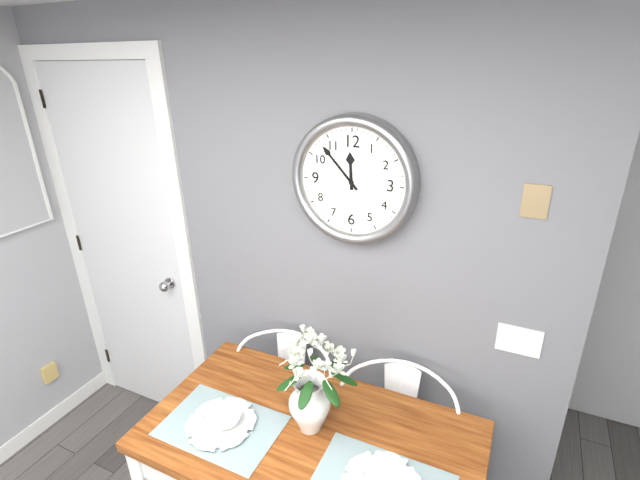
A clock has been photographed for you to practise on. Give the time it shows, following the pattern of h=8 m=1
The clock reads h=11 m=53
